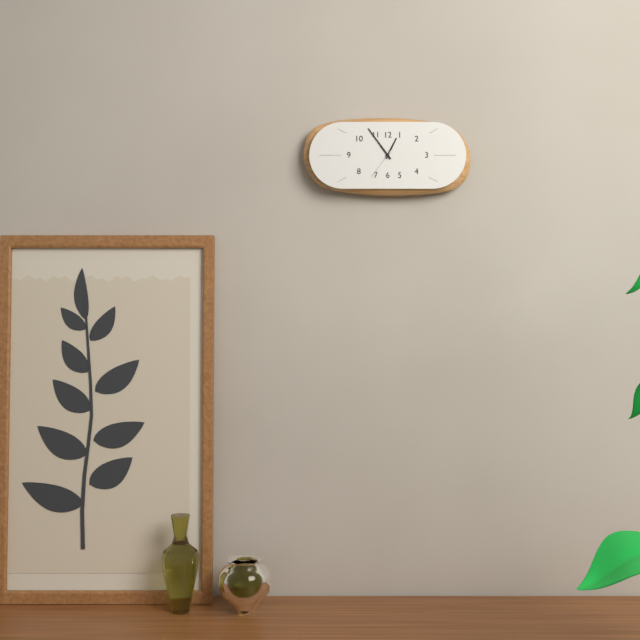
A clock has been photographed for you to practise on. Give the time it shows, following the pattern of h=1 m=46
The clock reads h=12 m=54
